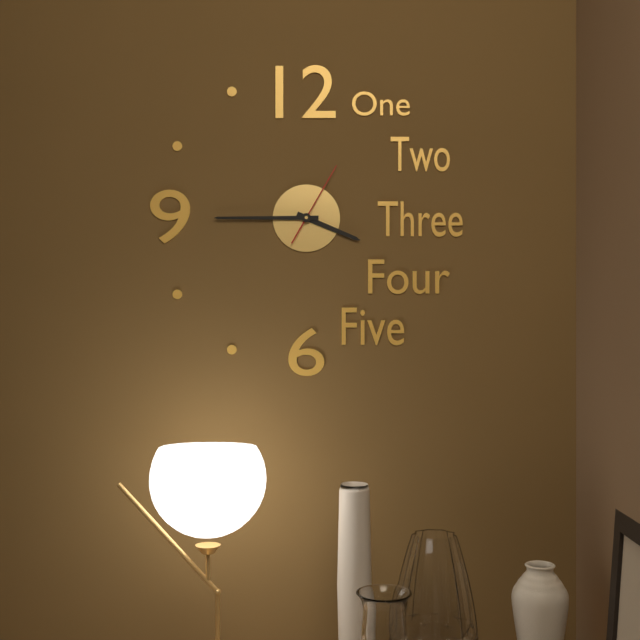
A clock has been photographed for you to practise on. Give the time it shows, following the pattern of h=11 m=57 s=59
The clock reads h=3 m=45 s=5
